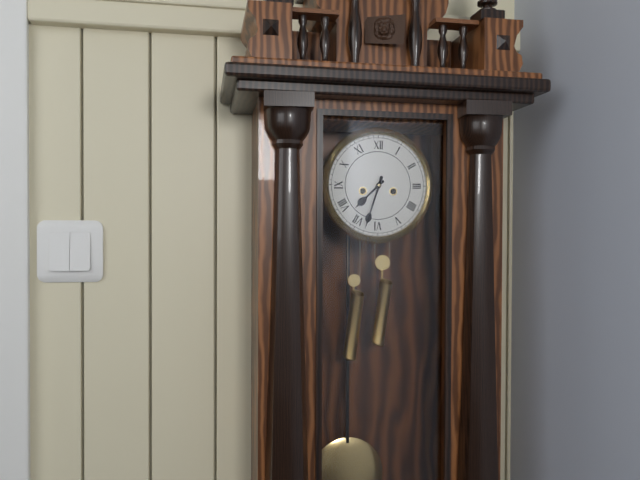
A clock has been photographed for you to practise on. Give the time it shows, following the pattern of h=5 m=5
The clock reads h=7 m=33
